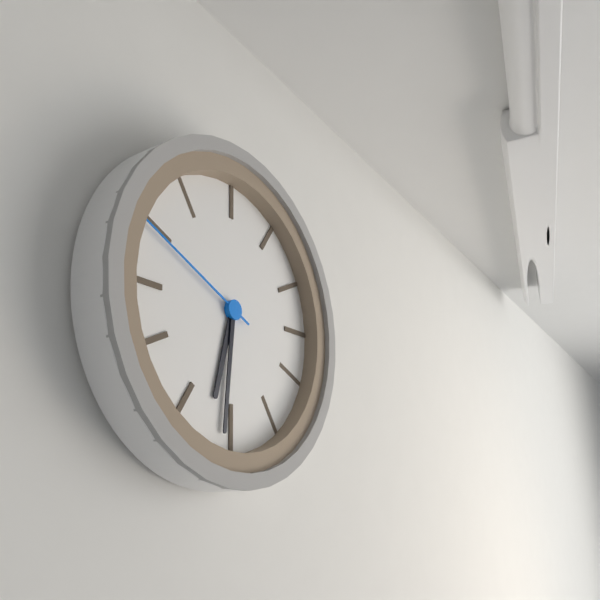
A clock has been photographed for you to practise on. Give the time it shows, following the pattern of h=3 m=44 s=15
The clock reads h=6 m=31 s=49
